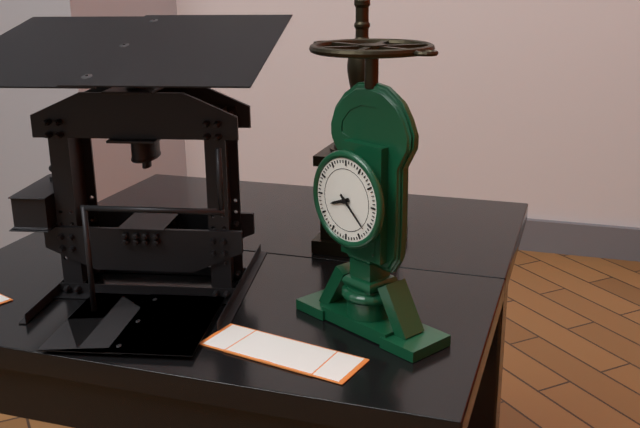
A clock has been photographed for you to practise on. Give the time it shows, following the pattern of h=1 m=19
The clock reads h=8 m=22
